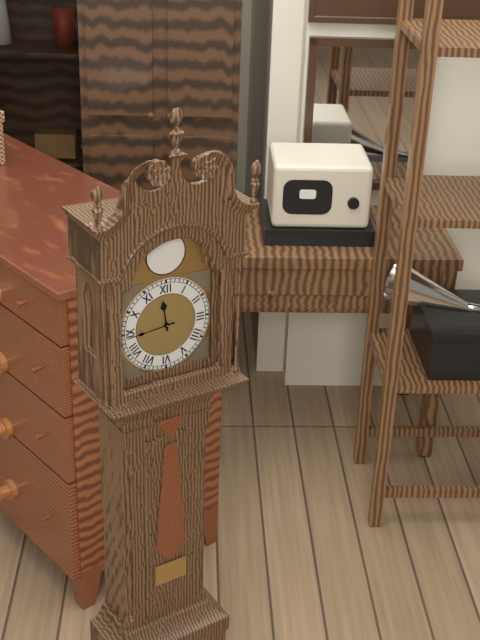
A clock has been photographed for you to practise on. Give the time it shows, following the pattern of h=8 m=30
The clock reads h=11 m=44
